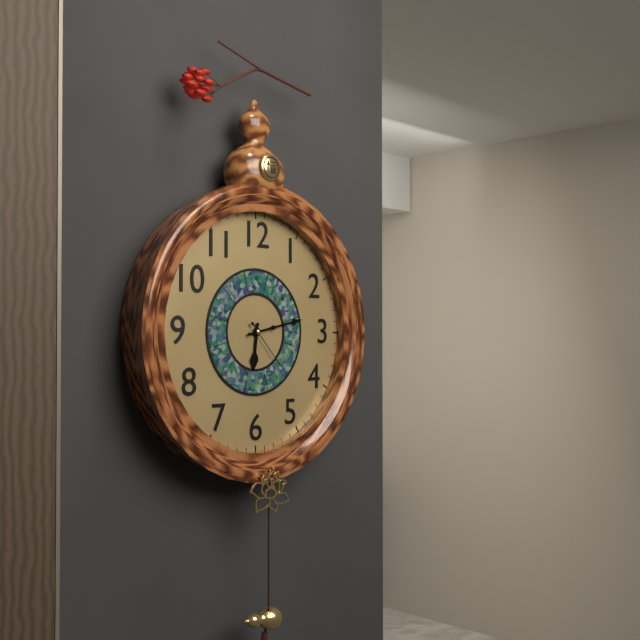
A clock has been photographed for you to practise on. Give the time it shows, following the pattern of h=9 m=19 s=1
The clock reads h=6 m=13 s=23
